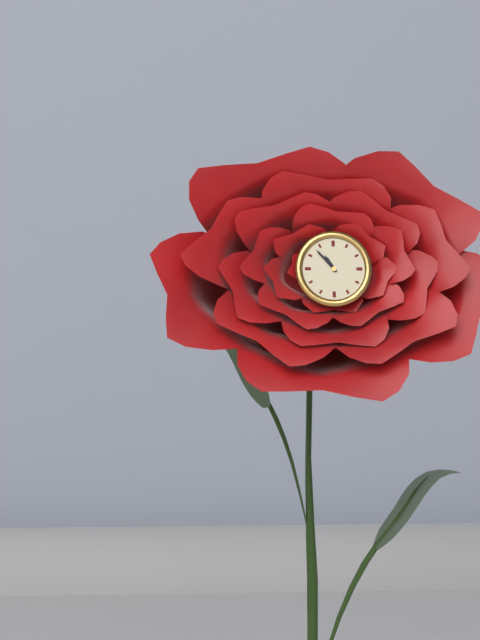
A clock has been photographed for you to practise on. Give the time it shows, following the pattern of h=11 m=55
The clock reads h=10 m=53
